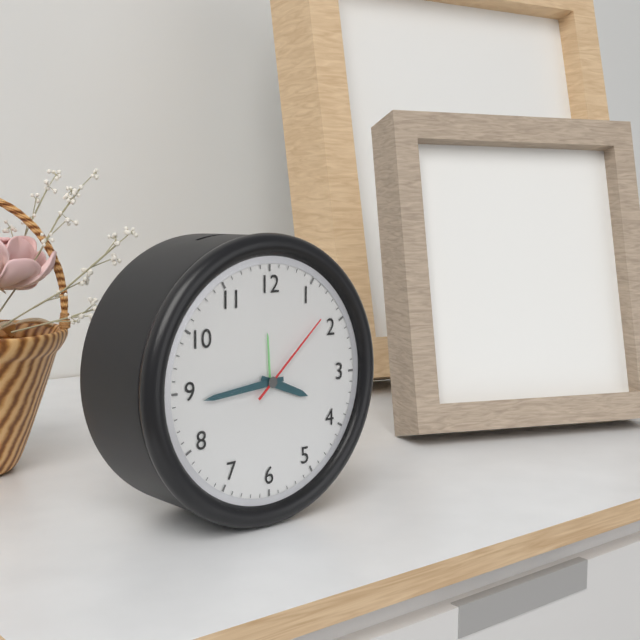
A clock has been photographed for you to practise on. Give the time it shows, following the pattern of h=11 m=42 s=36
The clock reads h=3 m=44 s=8
